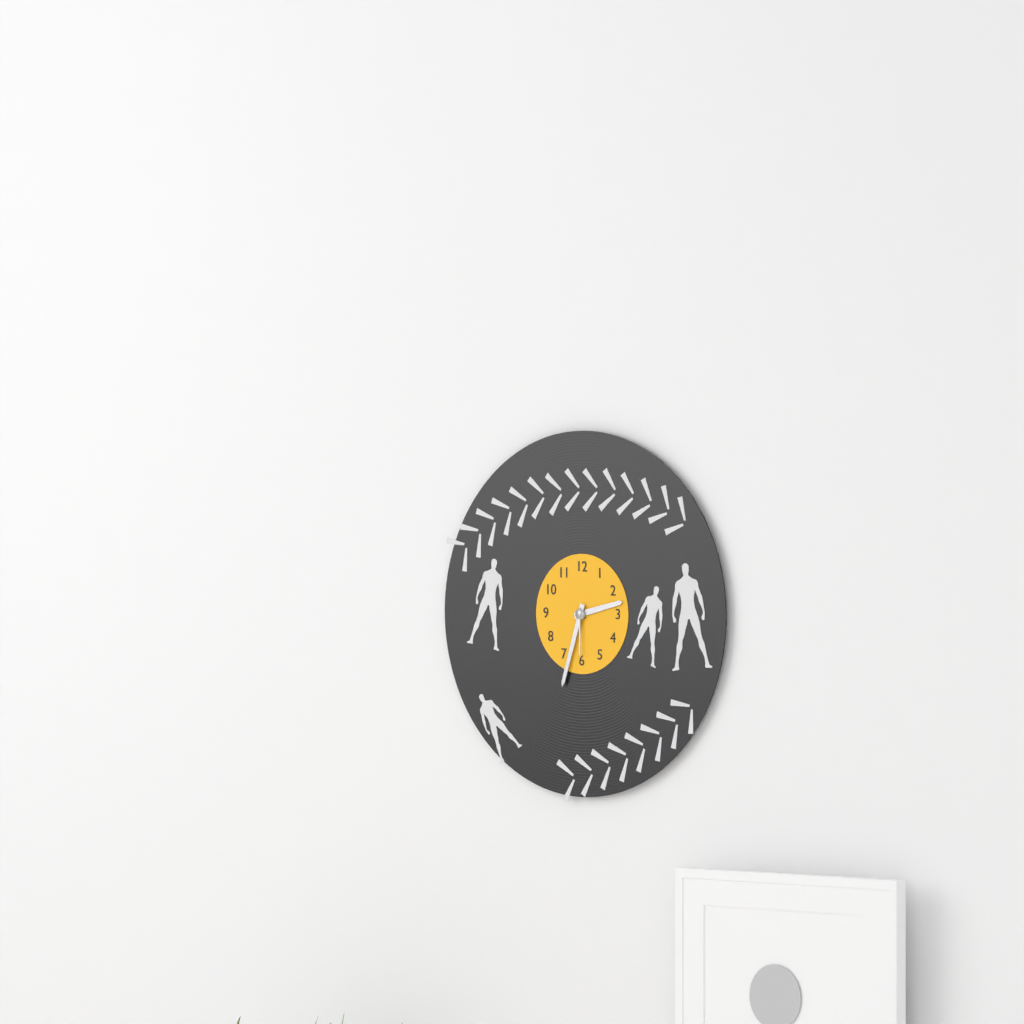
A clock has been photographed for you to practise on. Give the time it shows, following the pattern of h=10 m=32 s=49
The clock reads h=2 m=33 s=30
